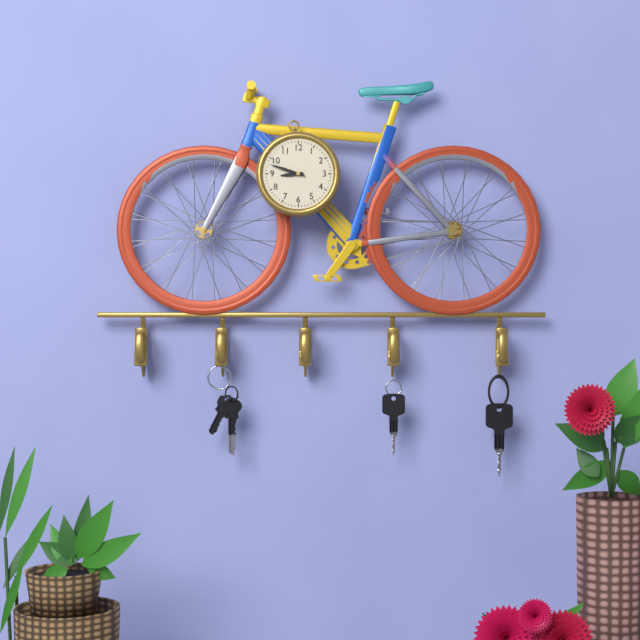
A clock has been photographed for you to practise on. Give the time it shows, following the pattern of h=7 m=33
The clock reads h=8 m=48
